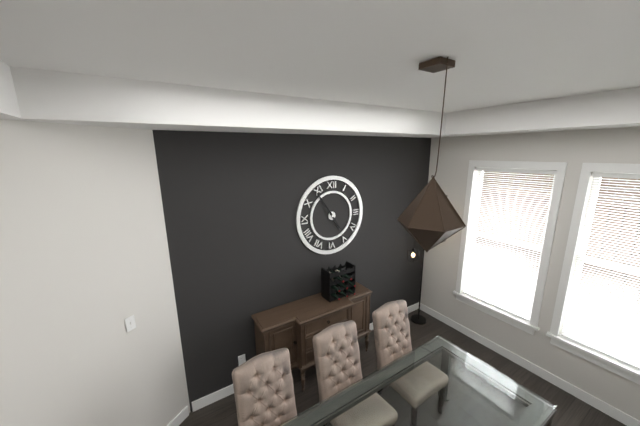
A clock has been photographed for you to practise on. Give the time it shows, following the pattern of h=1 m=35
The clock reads h=4 m=54
